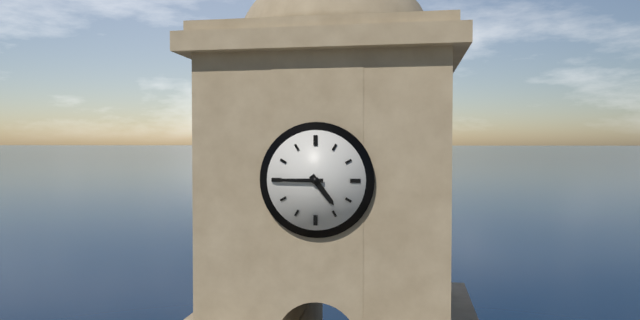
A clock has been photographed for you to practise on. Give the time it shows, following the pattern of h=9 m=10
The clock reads h=4 m=45
